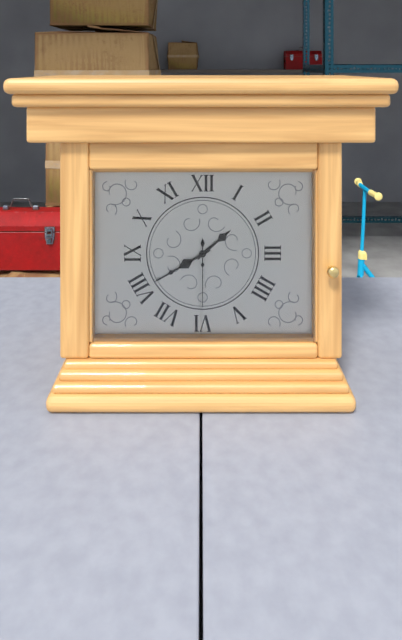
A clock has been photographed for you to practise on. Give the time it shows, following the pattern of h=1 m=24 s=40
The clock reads h=1 m=40 s=30
